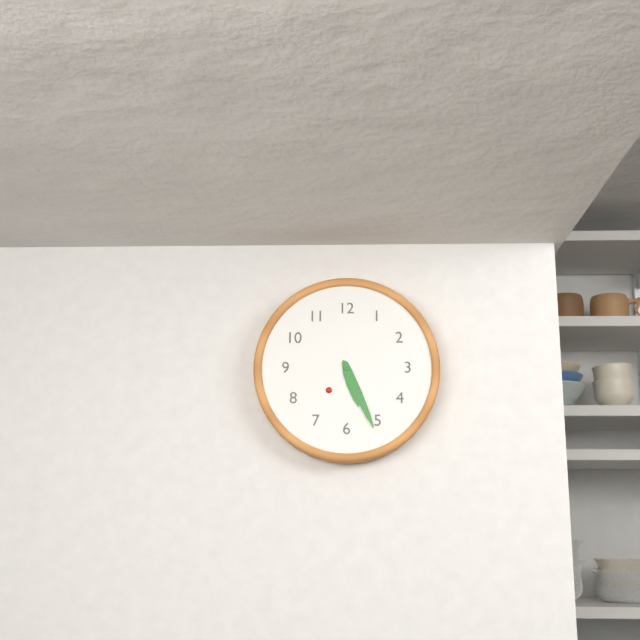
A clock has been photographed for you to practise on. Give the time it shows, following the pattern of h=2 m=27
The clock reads h=5 m=26
